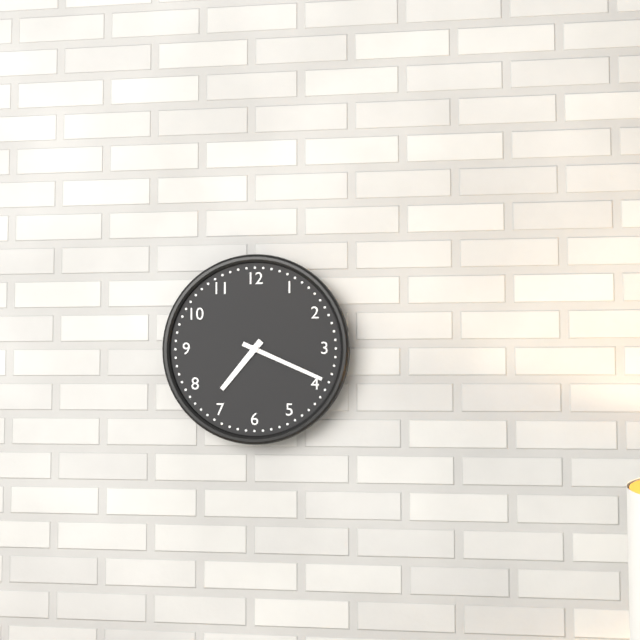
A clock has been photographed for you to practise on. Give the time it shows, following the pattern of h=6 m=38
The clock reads h=7 m=19
